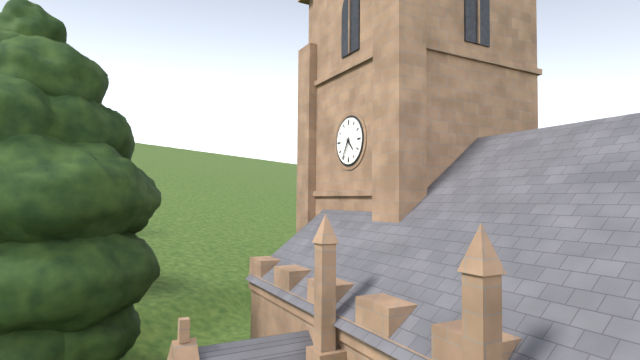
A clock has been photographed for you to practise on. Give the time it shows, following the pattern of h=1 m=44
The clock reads h=4 m=35
